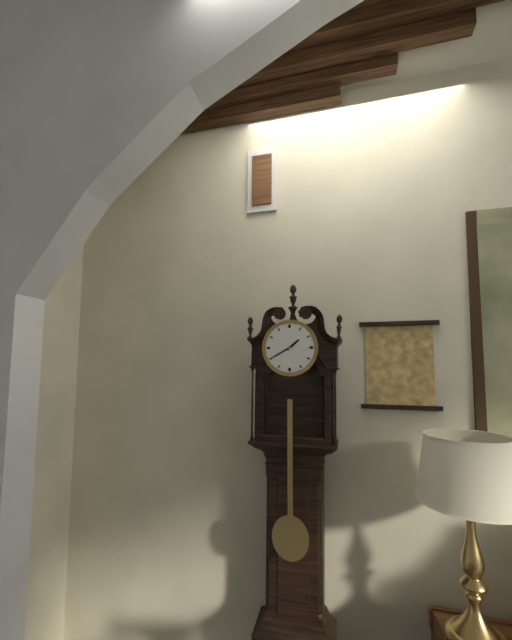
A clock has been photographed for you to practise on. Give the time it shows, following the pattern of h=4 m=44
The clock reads h=1 m=40
